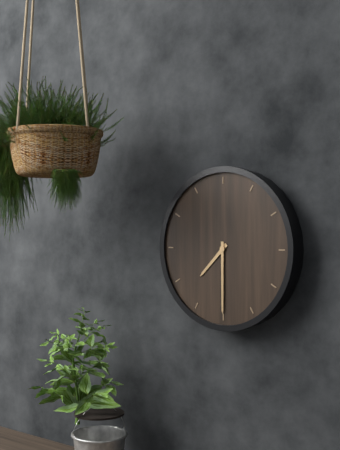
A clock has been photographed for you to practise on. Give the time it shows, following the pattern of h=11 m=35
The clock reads h=7 m=30
